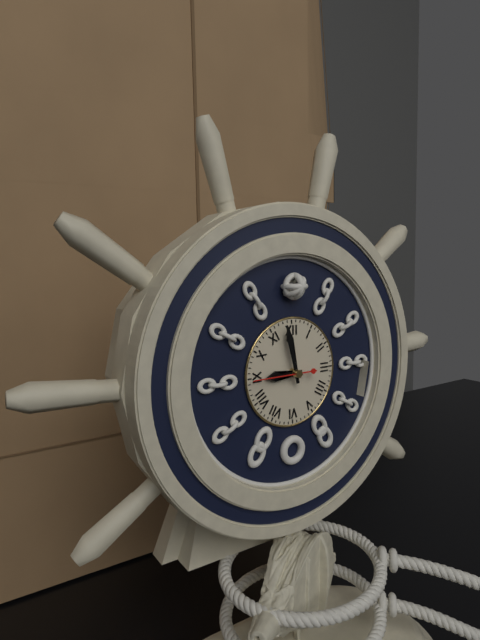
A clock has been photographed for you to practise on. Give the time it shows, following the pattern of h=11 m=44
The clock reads h=8 m=58
